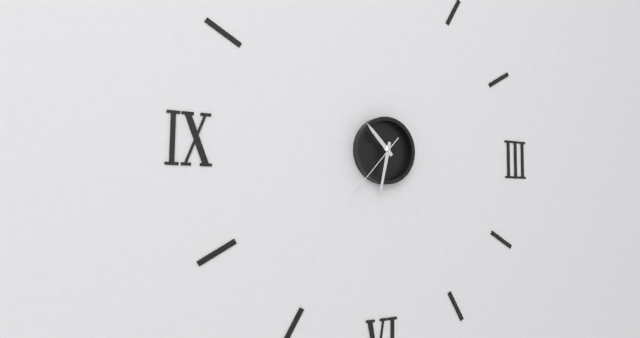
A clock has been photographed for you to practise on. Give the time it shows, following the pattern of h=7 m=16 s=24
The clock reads h=10 m=32 s=37
